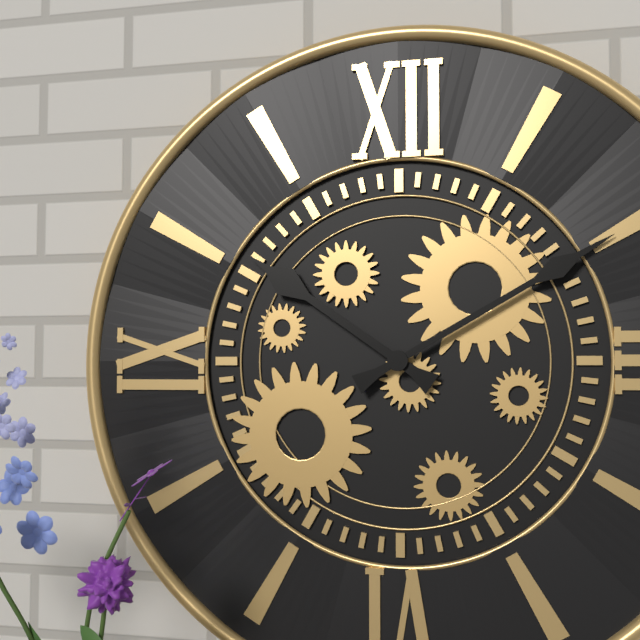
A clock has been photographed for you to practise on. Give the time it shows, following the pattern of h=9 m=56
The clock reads h=10 m=10
